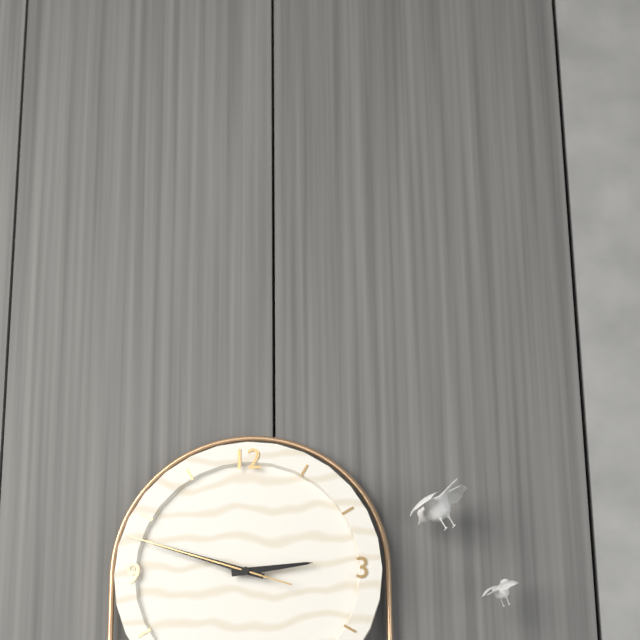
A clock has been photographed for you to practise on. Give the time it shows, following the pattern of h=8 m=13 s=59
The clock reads h=2 m=48 s=48
